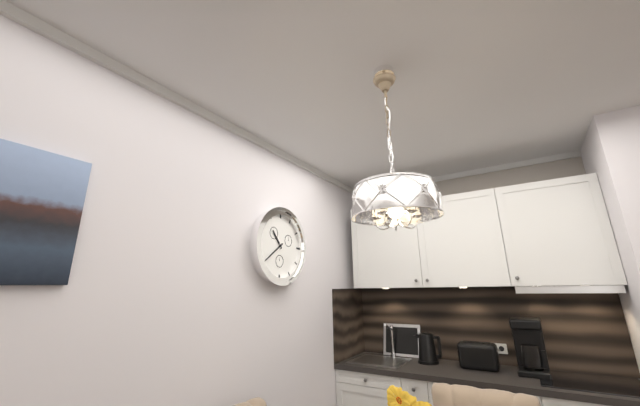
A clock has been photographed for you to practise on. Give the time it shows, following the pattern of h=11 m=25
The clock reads h=10 m=39
